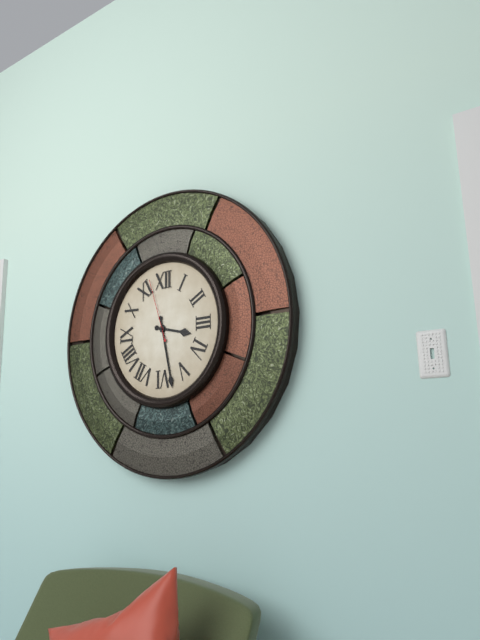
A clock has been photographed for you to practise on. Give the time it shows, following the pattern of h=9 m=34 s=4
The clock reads h=3 m=28 s=57
